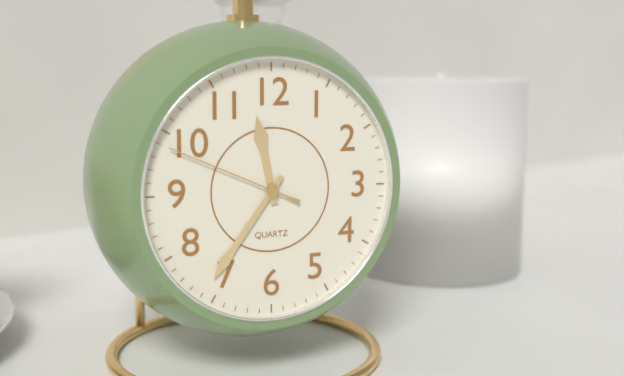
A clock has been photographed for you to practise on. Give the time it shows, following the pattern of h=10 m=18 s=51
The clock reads h=11 m=36 s=49
